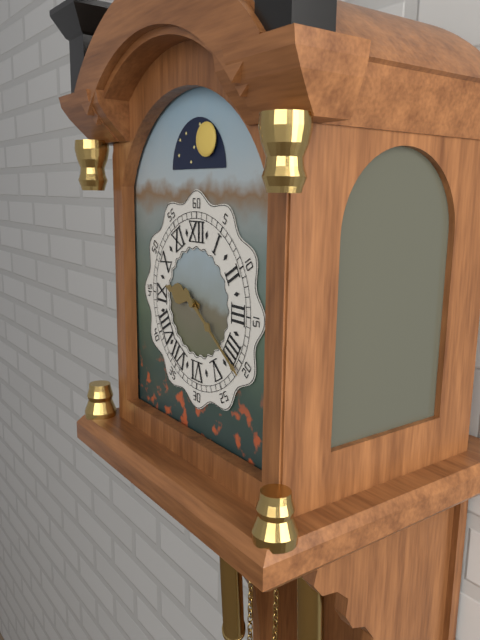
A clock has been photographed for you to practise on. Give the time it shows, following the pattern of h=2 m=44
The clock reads h=9 m=21
